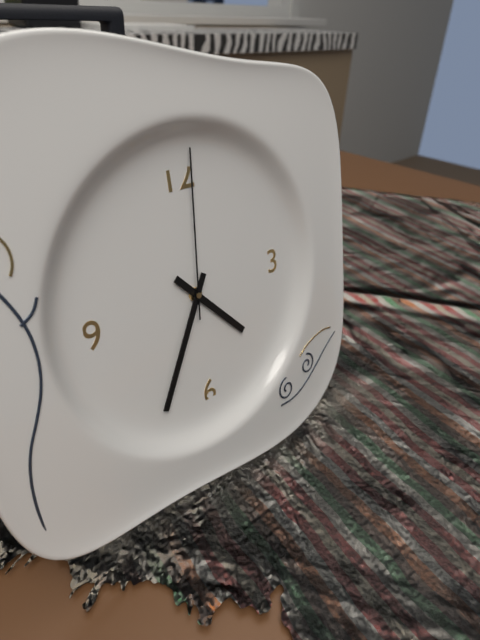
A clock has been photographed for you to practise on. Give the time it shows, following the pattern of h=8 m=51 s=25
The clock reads h=4 m=35 s=1
